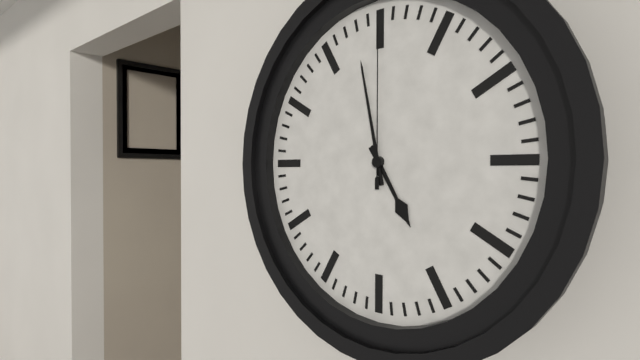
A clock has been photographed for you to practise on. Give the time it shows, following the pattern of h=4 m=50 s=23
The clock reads h=4 m=58 s=0
